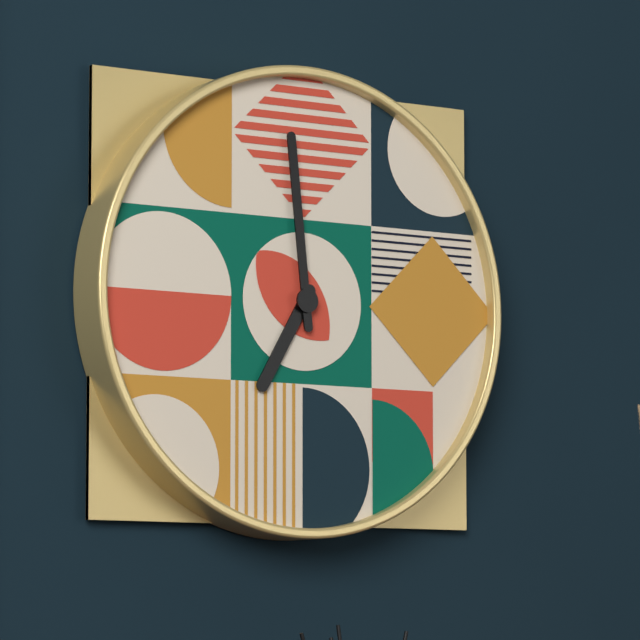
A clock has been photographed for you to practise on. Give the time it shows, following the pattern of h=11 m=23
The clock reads h=6 m=59
